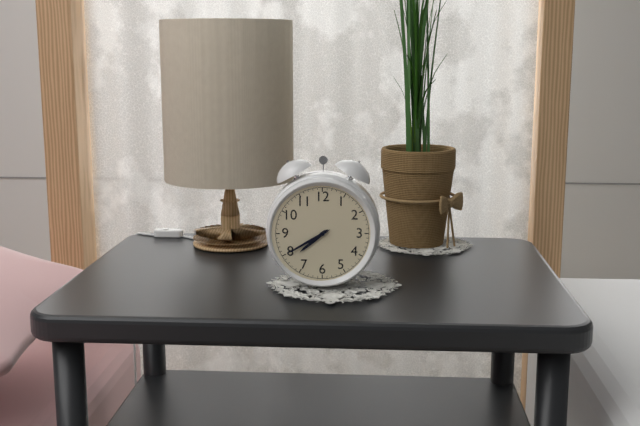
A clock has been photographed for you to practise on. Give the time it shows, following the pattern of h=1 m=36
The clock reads h=7 m=40
